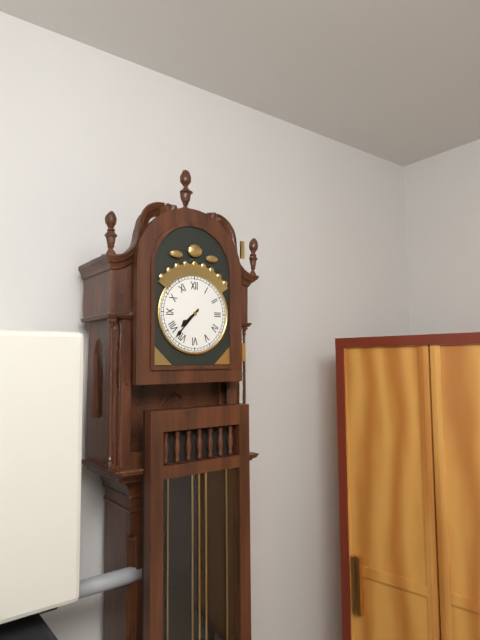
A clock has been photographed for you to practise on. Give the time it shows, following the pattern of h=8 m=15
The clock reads h=7 m=37
